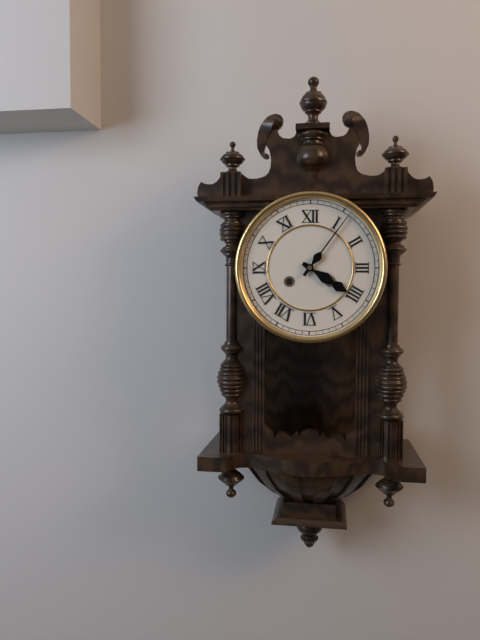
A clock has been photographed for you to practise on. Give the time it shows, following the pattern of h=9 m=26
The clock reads h=4 m=6
